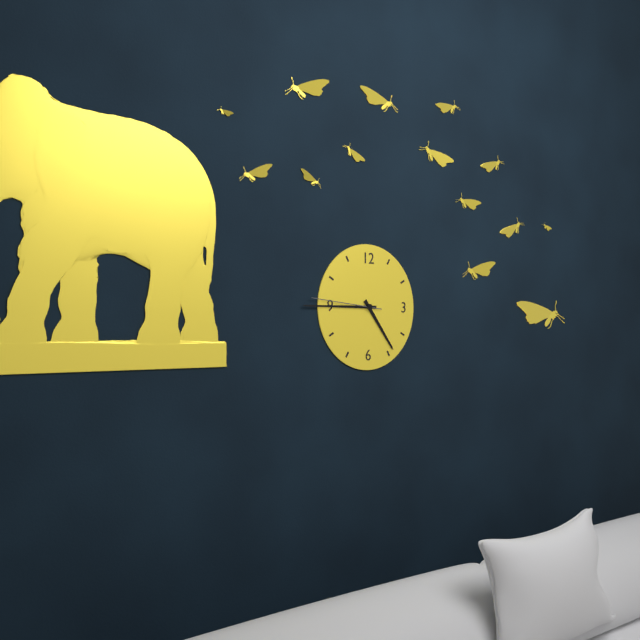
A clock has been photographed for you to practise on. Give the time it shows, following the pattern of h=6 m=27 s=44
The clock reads h=4 m=45 s=46
